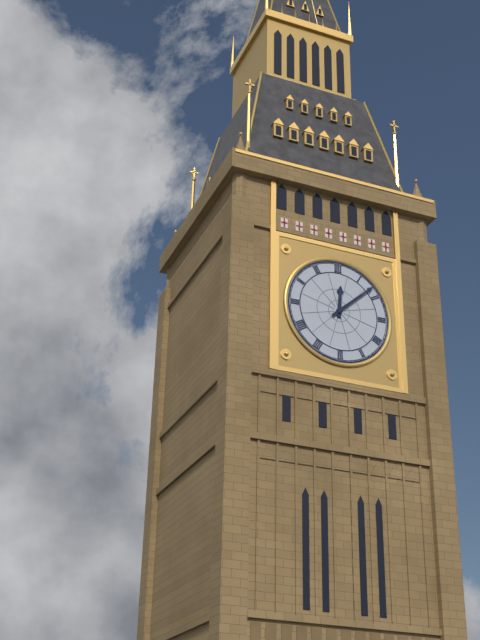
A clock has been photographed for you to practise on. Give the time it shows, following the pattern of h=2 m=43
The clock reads h=12 m=8
